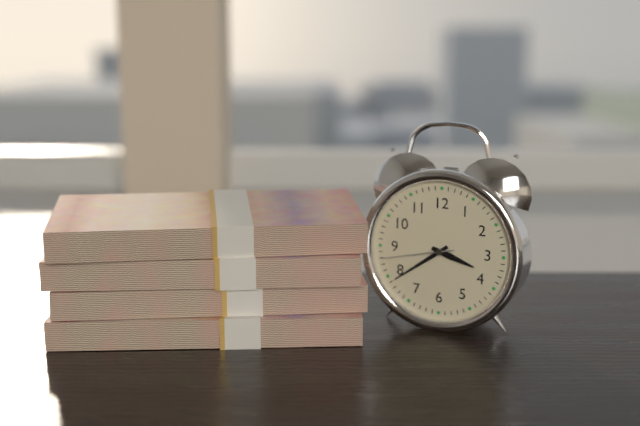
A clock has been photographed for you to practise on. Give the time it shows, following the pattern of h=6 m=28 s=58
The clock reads h=3 m=39 s=43
